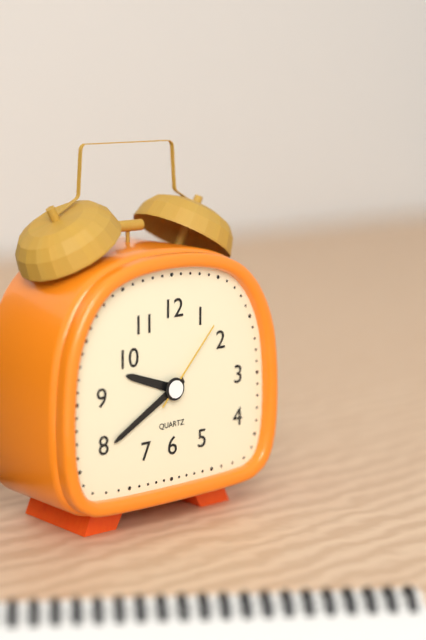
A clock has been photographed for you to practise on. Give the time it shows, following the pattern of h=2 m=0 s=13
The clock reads h=9 m=40 s=7
